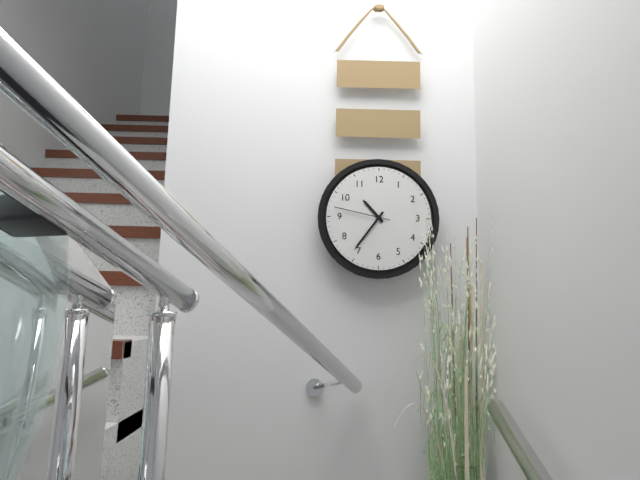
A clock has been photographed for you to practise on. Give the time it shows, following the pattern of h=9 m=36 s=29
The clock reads h=10 m=36 s=47
